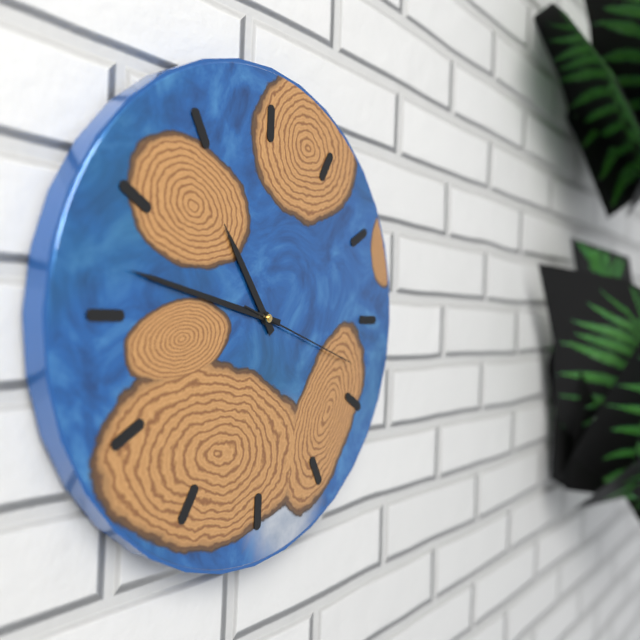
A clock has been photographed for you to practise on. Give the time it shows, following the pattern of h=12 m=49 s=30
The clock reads h=10 m=47 s=18
